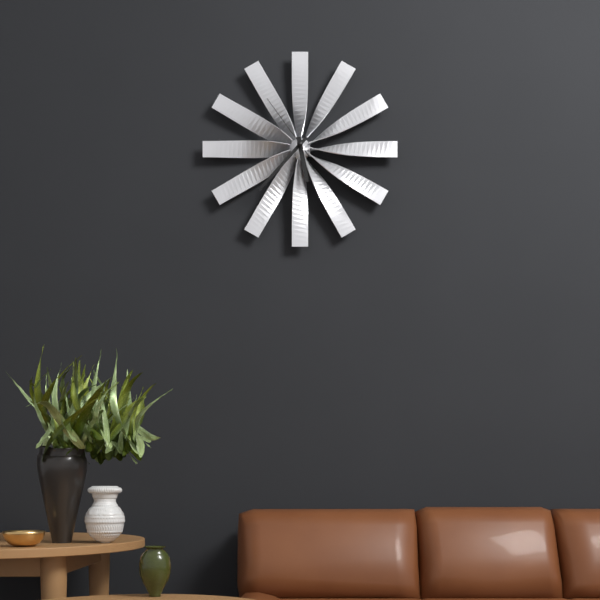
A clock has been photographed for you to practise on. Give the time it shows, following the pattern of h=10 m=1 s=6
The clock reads h=5 m=37 s=54
